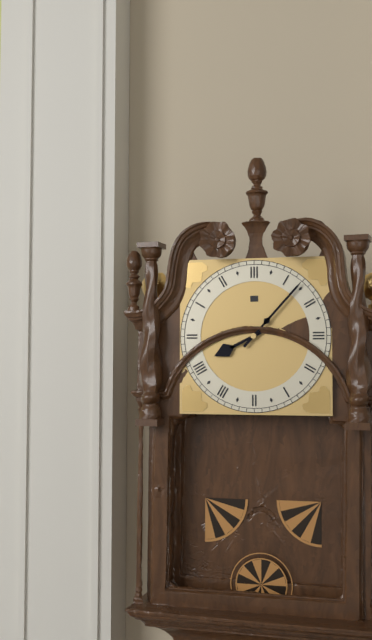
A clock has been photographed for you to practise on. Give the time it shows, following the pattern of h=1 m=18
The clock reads h=8 m=7
